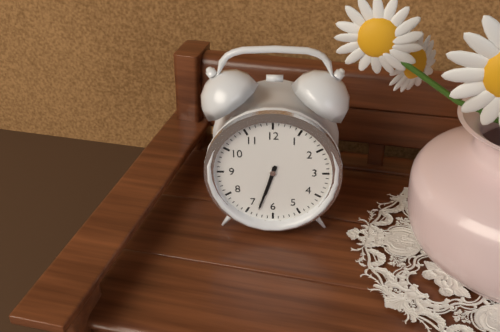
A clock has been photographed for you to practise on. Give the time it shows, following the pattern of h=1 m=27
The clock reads h=6 m=33
